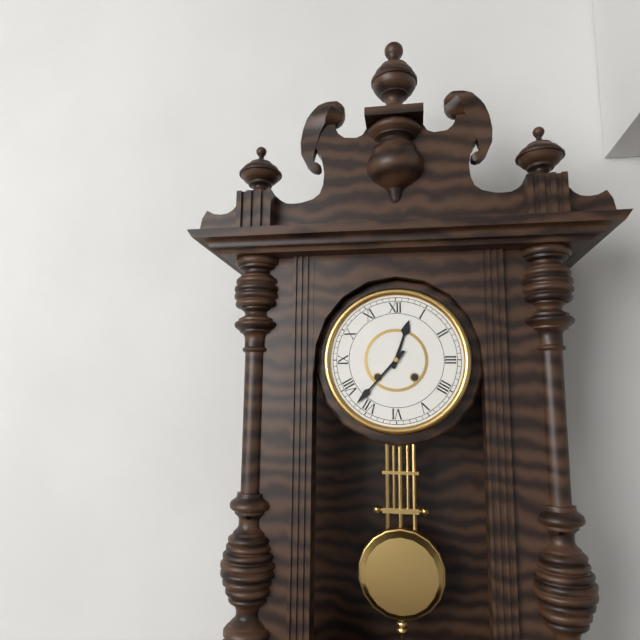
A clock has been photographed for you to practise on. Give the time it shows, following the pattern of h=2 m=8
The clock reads h=12 m=37
